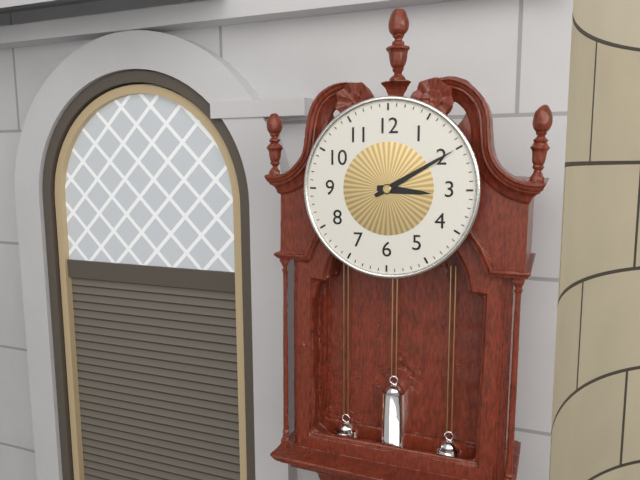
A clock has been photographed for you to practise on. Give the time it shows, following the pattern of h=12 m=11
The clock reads h=3 m=10
